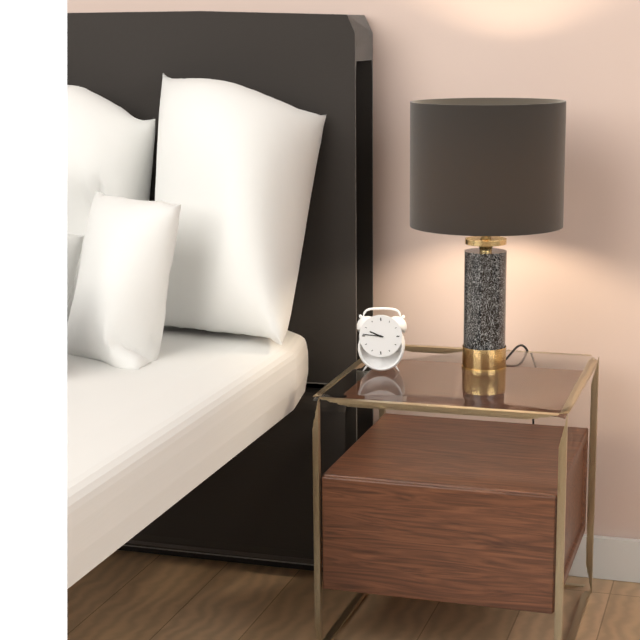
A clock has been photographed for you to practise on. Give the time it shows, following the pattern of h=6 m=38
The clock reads h=9 m=46
